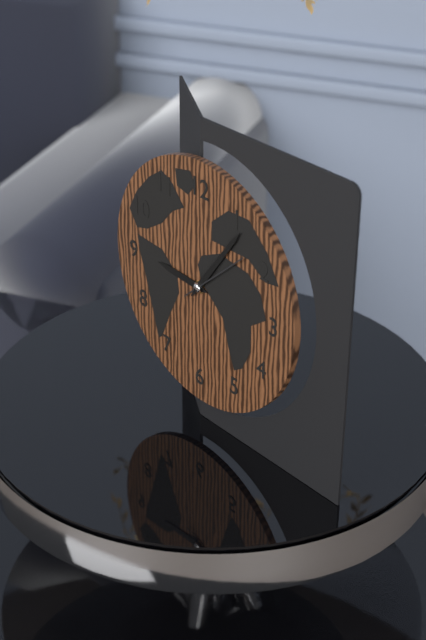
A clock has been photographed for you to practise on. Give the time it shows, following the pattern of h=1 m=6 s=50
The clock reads h=9 m=6 s=8
